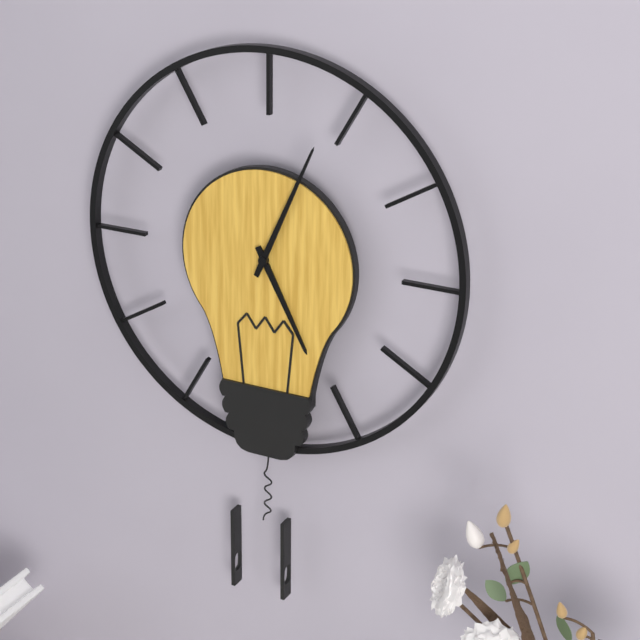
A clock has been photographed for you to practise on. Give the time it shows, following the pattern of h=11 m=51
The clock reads h=5 m=4
